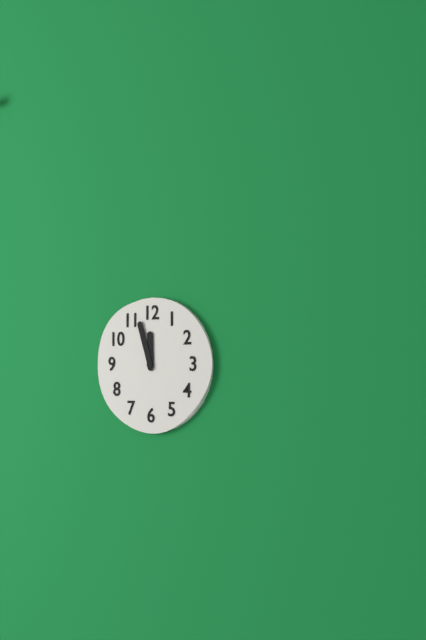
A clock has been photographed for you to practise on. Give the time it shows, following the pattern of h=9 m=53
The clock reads h=11 m=57
